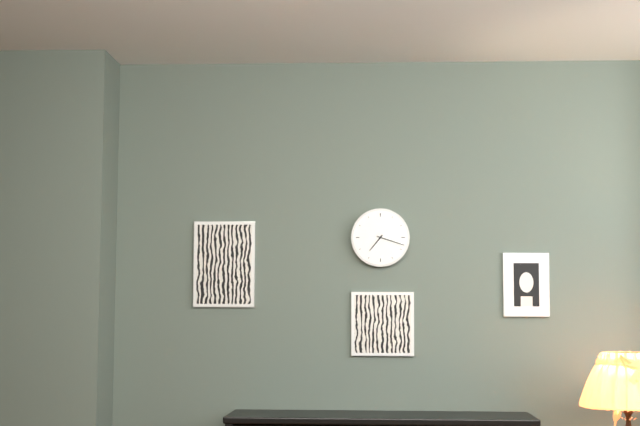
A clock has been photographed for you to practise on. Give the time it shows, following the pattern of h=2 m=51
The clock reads h=7 m=18
